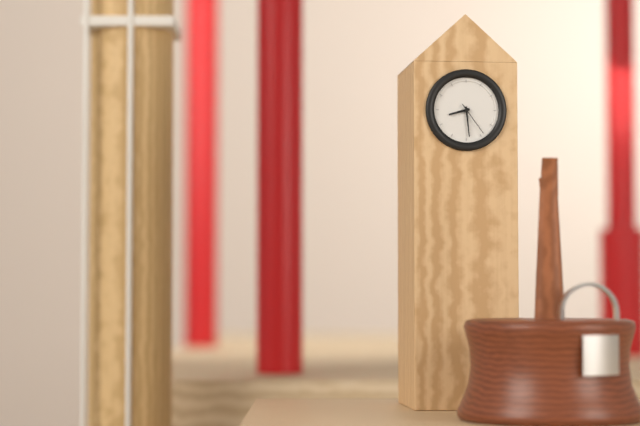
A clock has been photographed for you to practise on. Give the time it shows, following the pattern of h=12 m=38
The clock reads h=8 m=29
